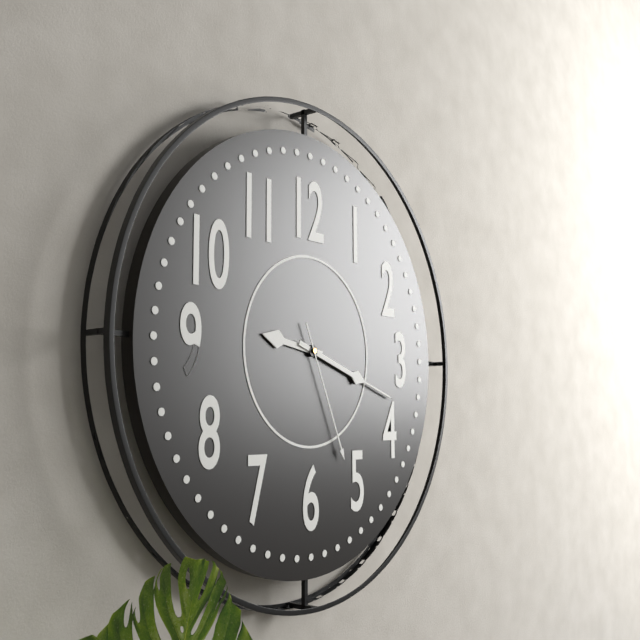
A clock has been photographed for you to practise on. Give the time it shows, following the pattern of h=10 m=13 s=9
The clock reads h=9 m=18 s=26
